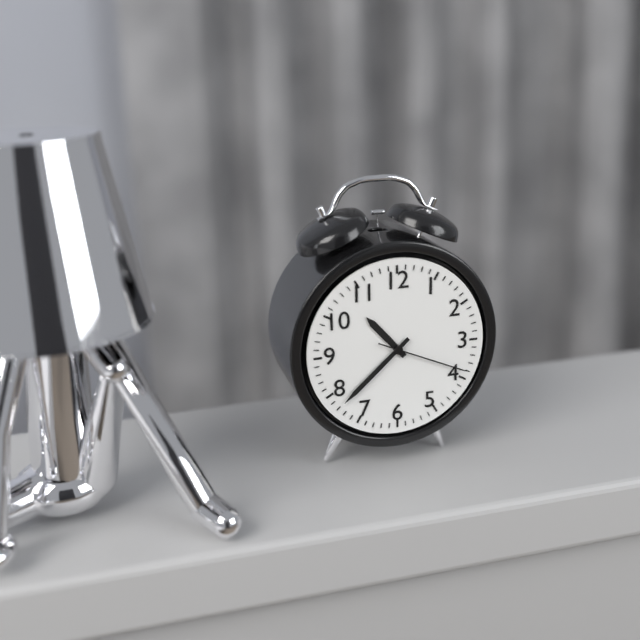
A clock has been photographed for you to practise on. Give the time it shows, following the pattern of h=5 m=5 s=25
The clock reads h=10 m=38 s=19
